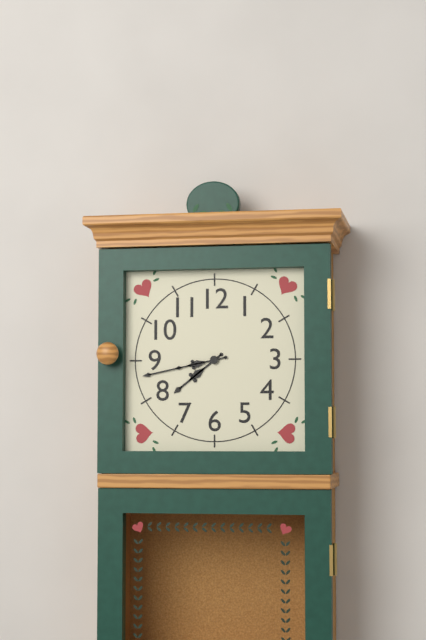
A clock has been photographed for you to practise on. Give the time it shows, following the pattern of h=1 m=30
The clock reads h=7 m=43
